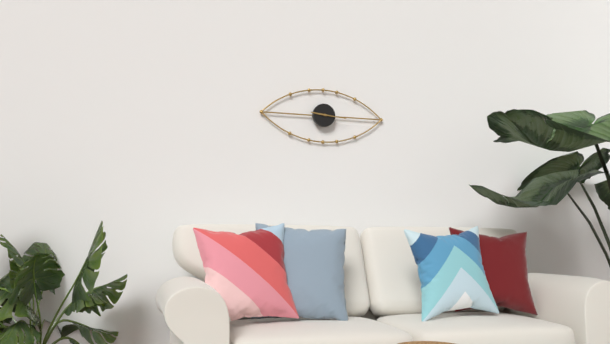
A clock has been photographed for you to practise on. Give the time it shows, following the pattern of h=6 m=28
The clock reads h=9 m=16
